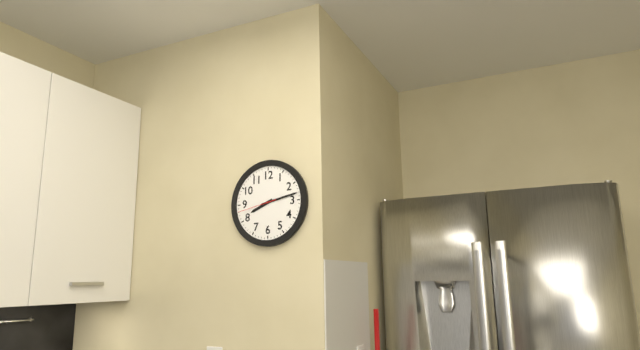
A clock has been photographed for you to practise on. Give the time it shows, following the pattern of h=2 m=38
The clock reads h=8 m=13
